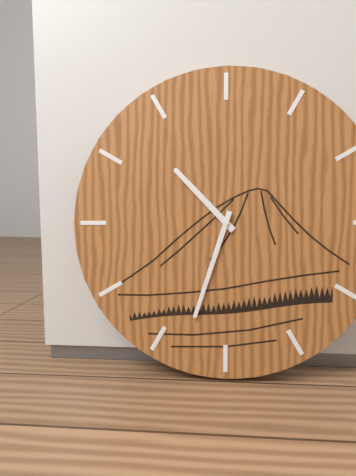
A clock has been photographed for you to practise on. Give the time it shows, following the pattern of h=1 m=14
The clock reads h=10 m=33
